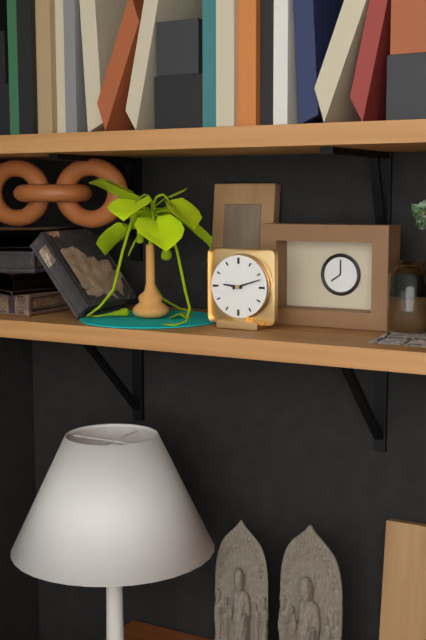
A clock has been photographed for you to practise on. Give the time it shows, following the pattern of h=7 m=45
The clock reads h=9 m=12
